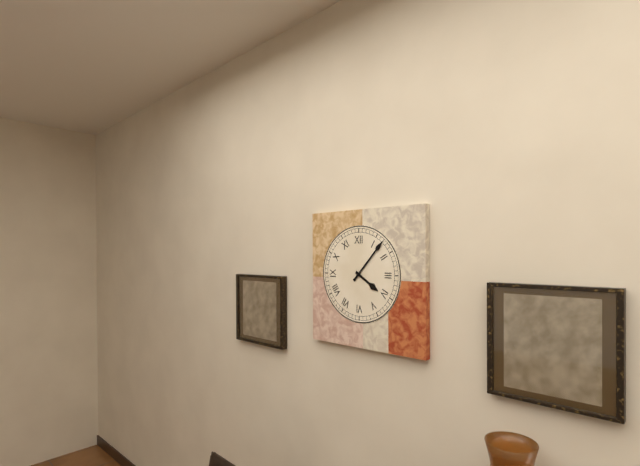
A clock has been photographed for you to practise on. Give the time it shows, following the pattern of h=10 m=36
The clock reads h=4 m=7
